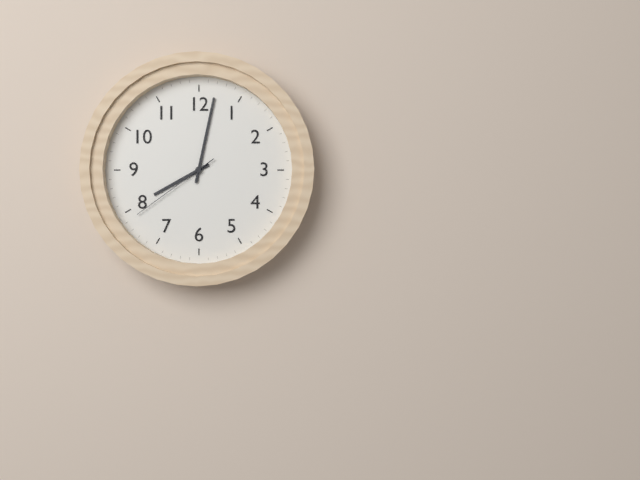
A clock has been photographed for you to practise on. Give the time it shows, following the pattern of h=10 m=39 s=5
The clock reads h=8 m=2 s=39
